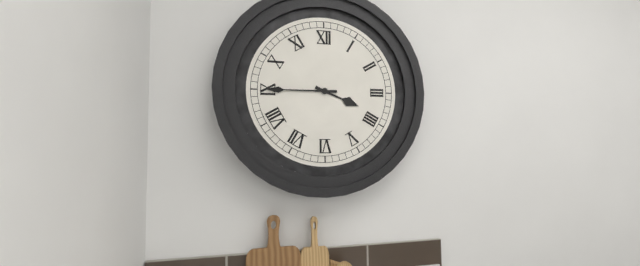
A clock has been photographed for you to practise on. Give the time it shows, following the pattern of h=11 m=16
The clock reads h=3 m=45
